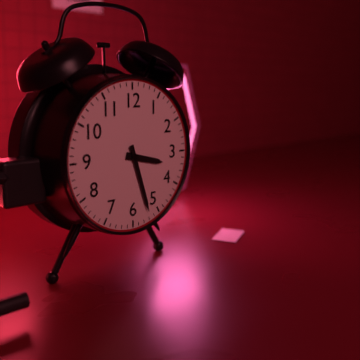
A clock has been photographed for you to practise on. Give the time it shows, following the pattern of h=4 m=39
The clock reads h=3 m=27
